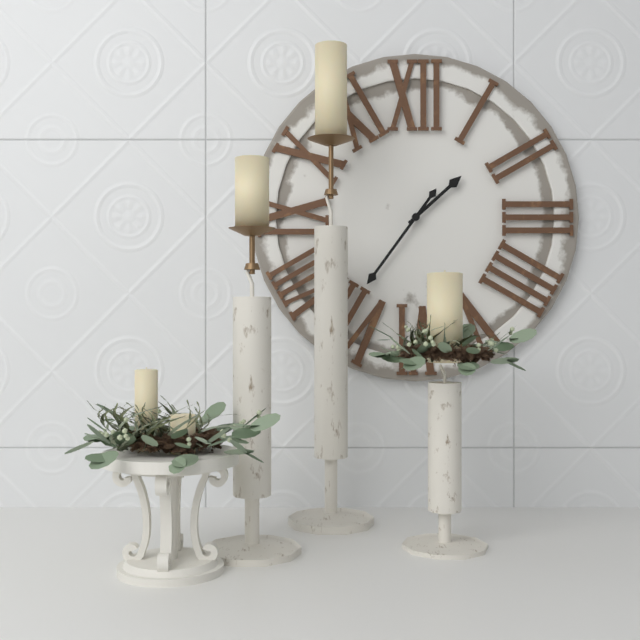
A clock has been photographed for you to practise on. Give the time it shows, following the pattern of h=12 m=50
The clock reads h=1 m=36
